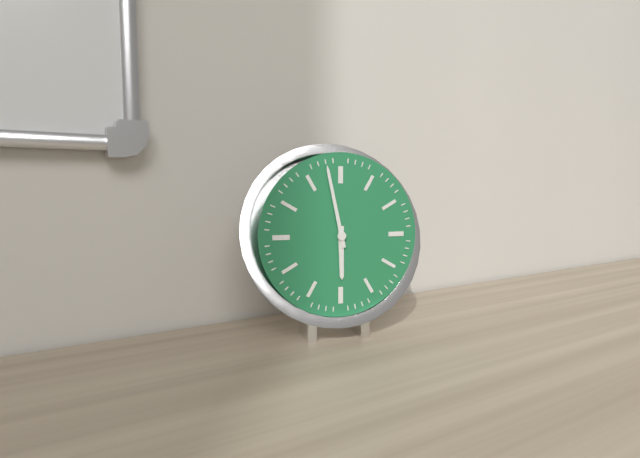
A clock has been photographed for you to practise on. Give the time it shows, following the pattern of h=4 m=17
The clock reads h=5 m=58
